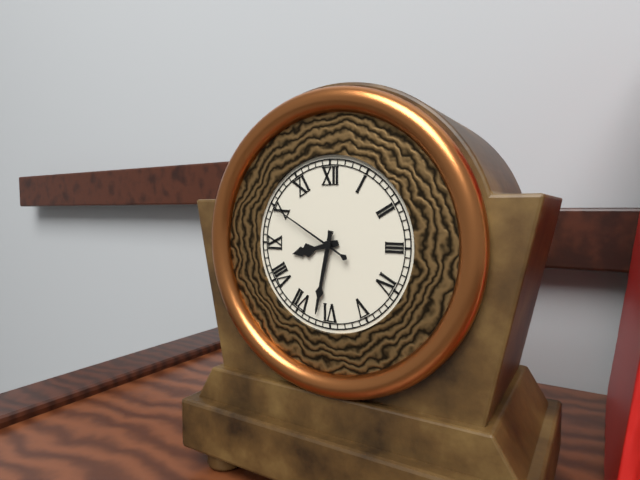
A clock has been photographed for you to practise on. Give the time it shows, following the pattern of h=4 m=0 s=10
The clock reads h=8 m=32 s=50
